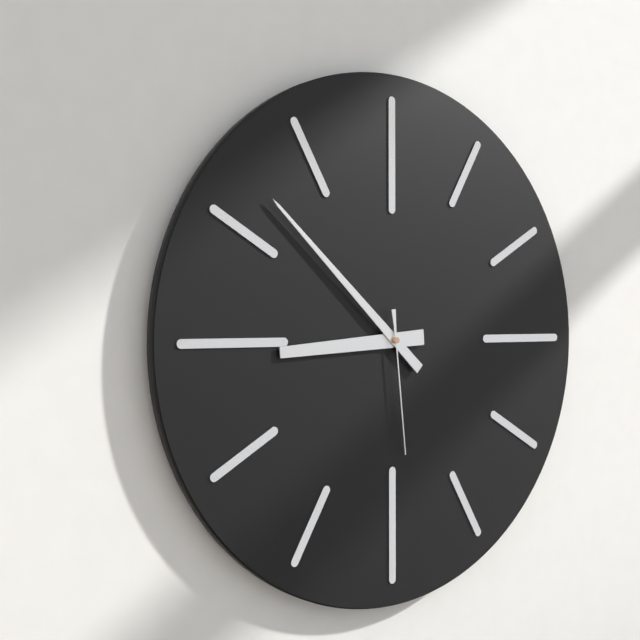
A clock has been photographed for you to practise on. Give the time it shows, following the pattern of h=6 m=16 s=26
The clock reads h=8 m=52 s=29
